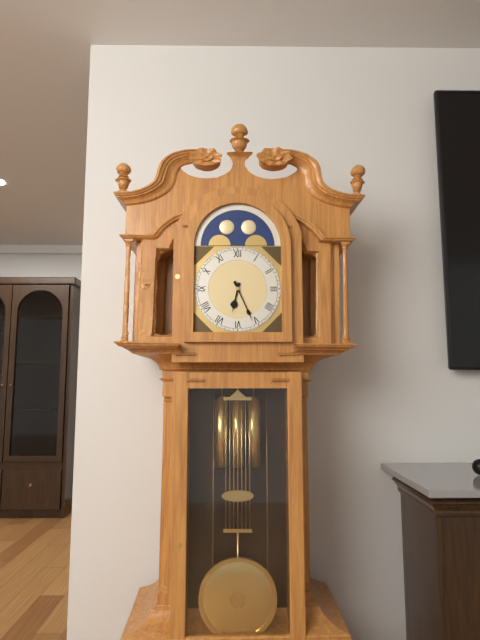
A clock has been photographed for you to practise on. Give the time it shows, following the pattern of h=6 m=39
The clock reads h=6 m=26
